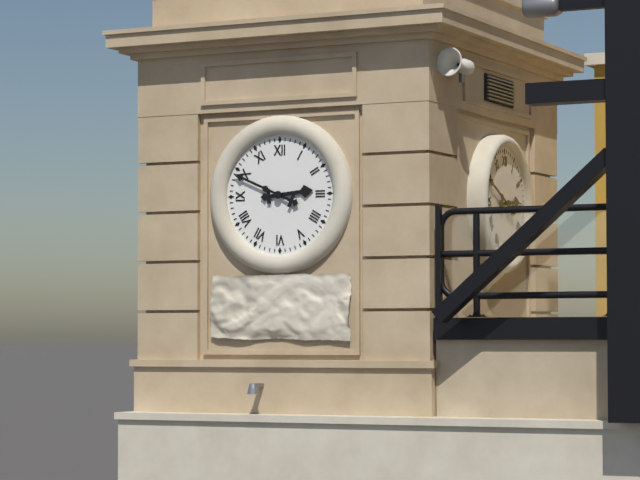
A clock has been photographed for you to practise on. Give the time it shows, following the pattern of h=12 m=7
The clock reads h=2 m=49
